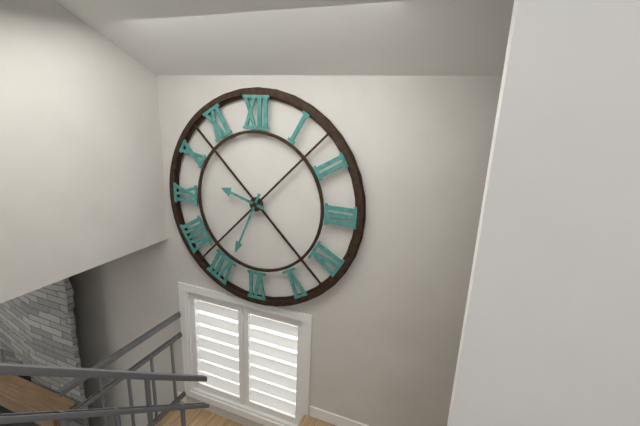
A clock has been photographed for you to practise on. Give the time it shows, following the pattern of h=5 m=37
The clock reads h=9 m=34
